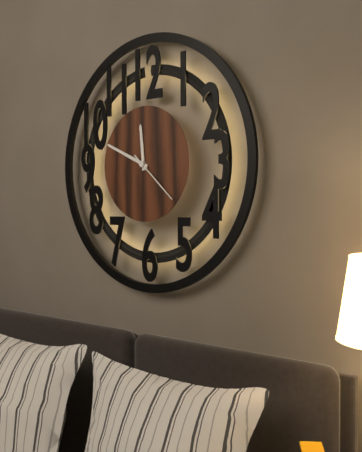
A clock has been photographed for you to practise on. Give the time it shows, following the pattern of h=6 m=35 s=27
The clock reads h=11 m=49 s=22
